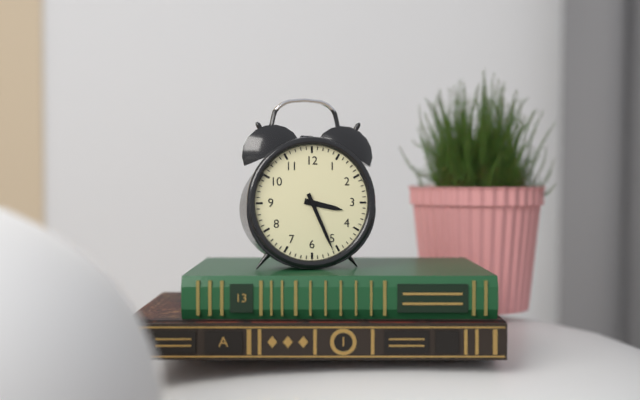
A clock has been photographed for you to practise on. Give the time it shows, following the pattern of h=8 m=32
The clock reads h=3 m=26
